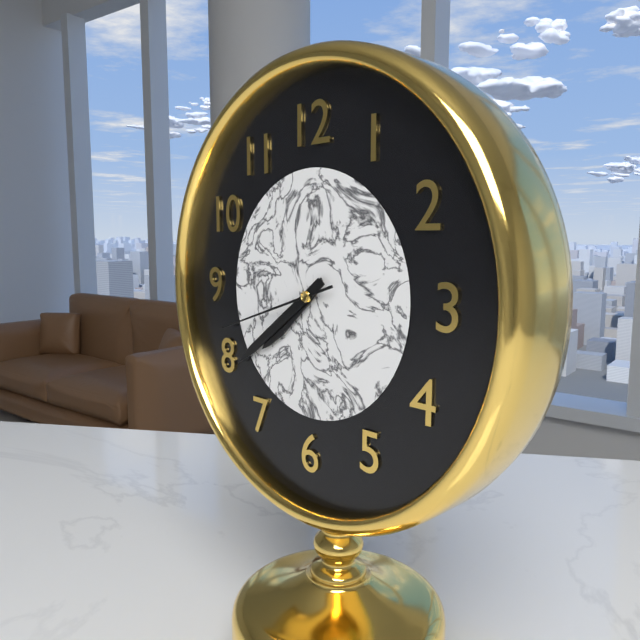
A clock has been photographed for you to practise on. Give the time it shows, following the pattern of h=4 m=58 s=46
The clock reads h=7 m=39 s=42
